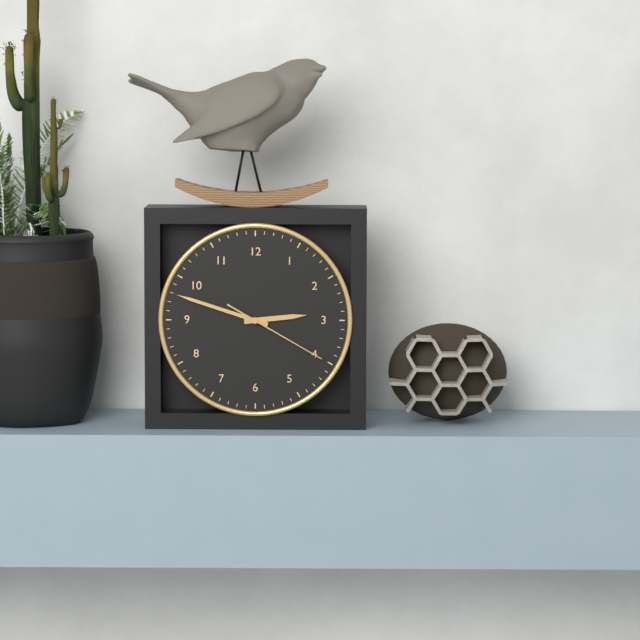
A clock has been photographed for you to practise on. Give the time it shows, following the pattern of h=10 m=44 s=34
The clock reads h=2 m=48 s=20
